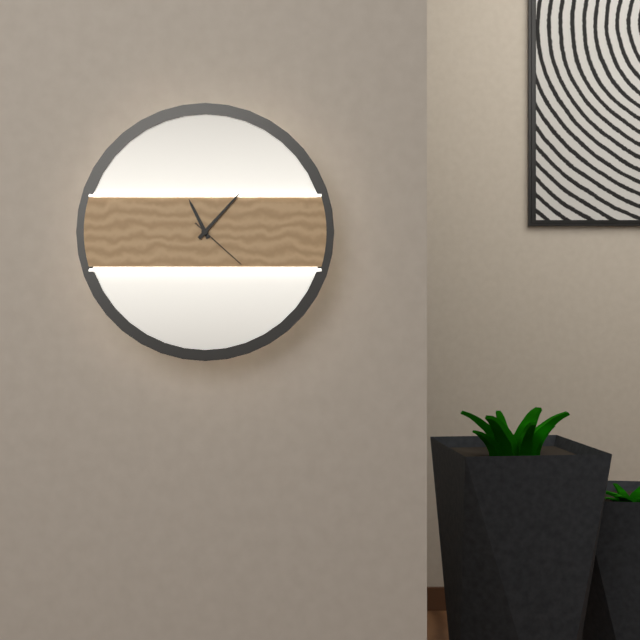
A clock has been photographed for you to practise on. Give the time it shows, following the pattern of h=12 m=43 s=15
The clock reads h=11 m=7 s=22
